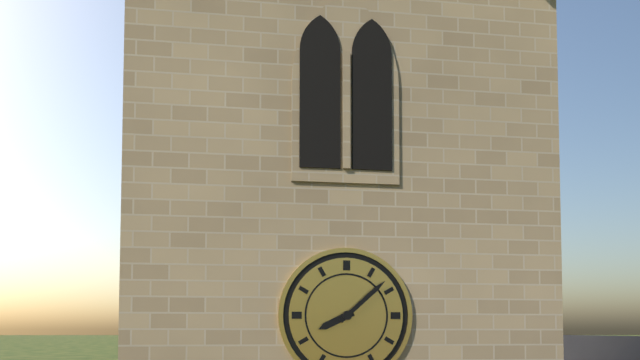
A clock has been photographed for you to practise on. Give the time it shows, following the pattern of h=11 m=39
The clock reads h=8 m=8
